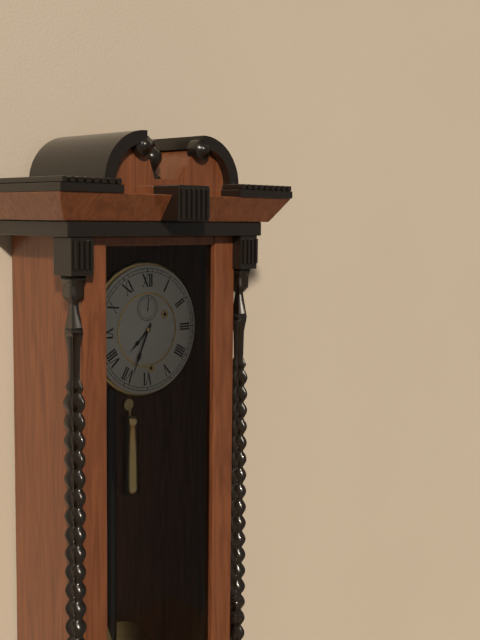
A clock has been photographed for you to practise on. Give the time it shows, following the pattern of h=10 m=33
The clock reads h=7 m=34
